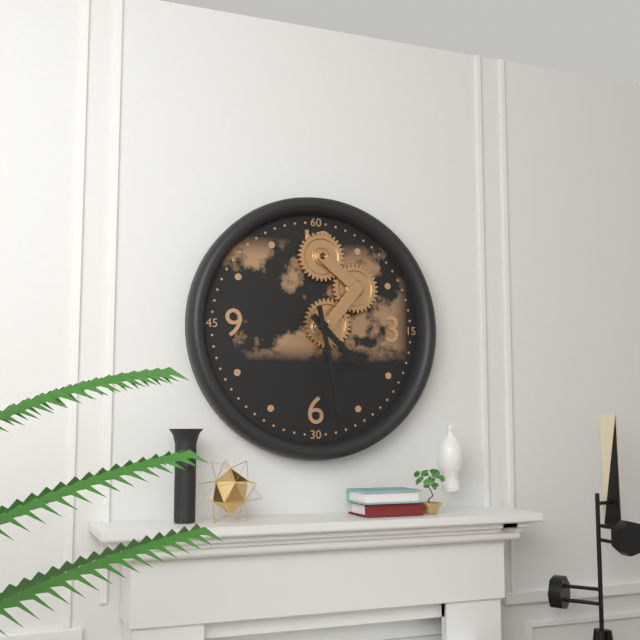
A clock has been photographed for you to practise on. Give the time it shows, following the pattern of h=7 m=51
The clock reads h=4 m=28
